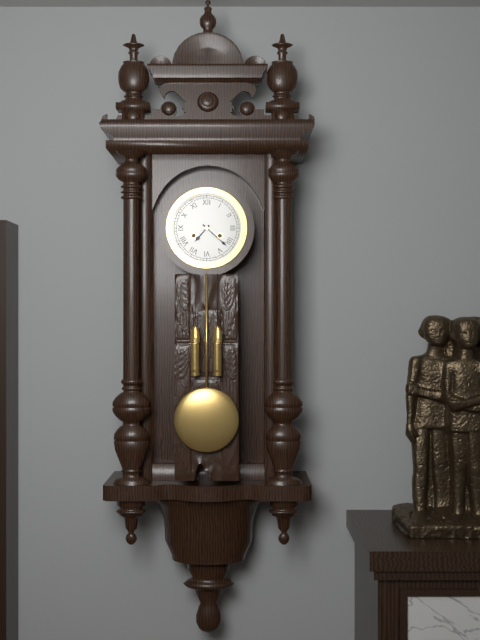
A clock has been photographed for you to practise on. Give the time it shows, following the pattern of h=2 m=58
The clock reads h=7 m=22
